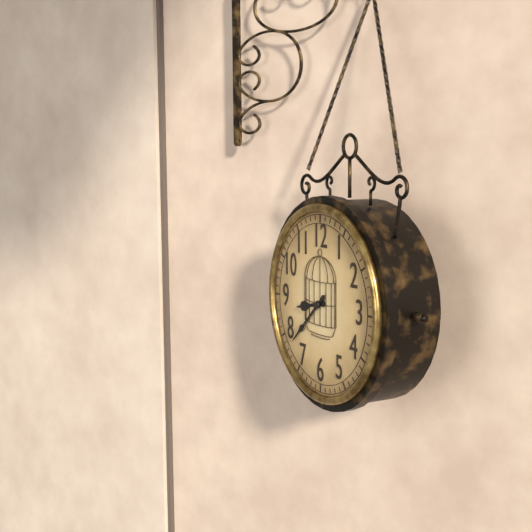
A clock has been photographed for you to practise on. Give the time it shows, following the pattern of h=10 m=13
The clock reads h=8 m=38
